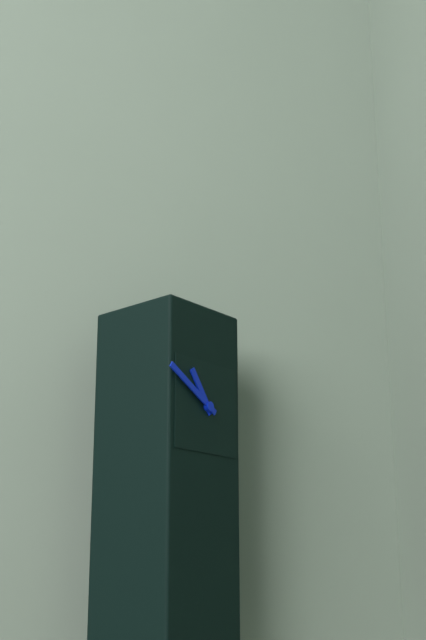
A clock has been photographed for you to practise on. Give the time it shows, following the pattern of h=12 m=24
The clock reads h=10 m=50
